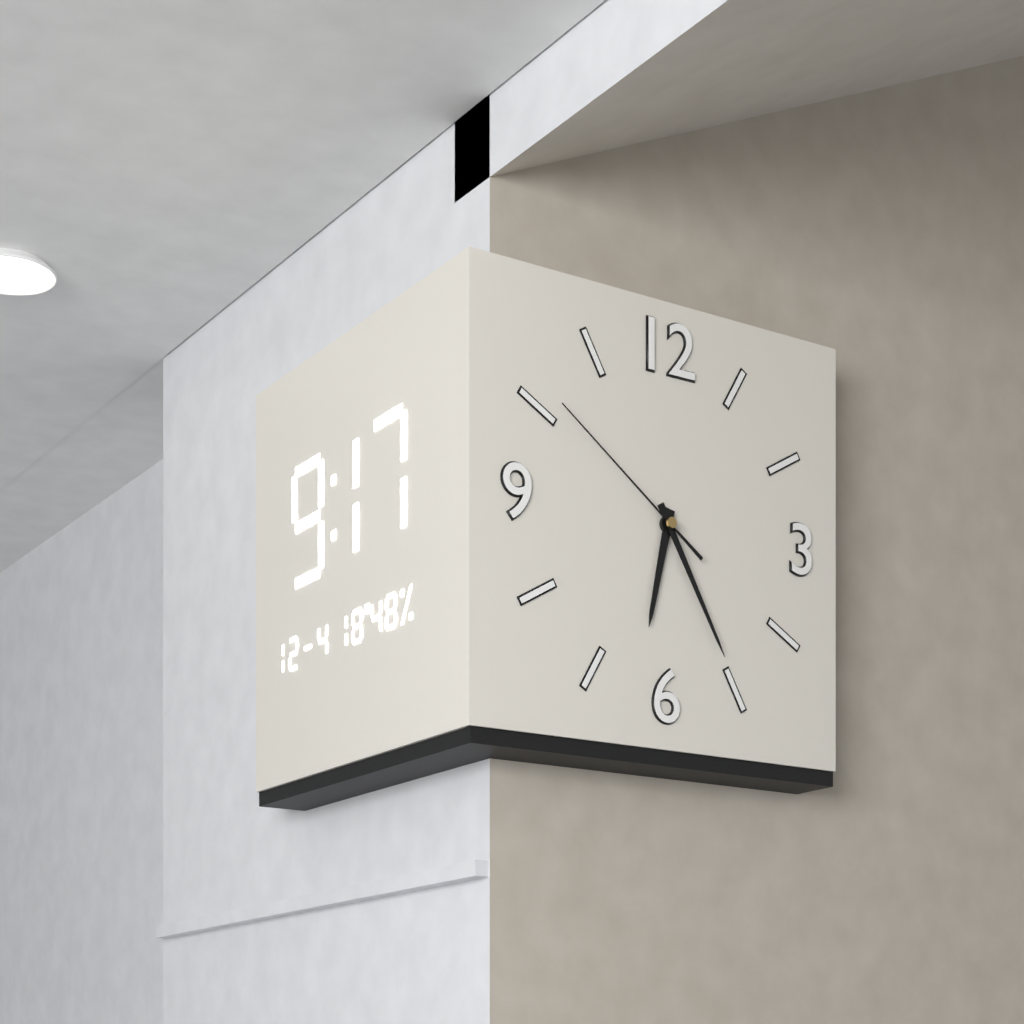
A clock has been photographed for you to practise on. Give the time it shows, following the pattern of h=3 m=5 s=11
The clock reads h=6 m=25 s=51
